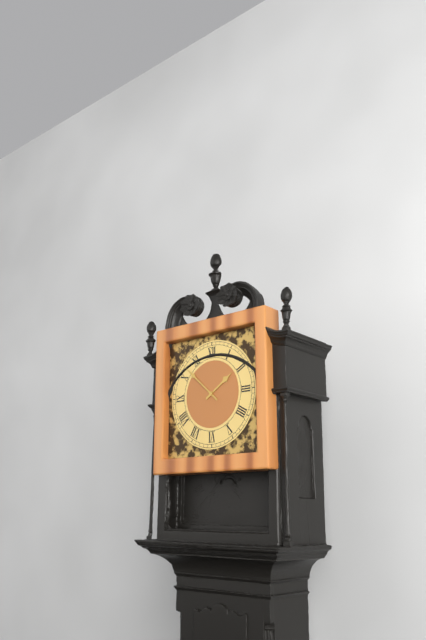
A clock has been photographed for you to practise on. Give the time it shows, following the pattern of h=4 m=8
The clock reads h=1 m=52
